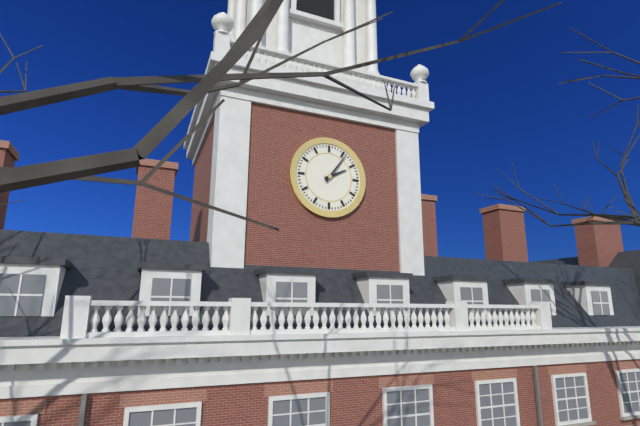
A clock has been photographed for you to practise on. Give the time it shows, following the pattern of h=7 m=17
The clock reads h=2 m=6
